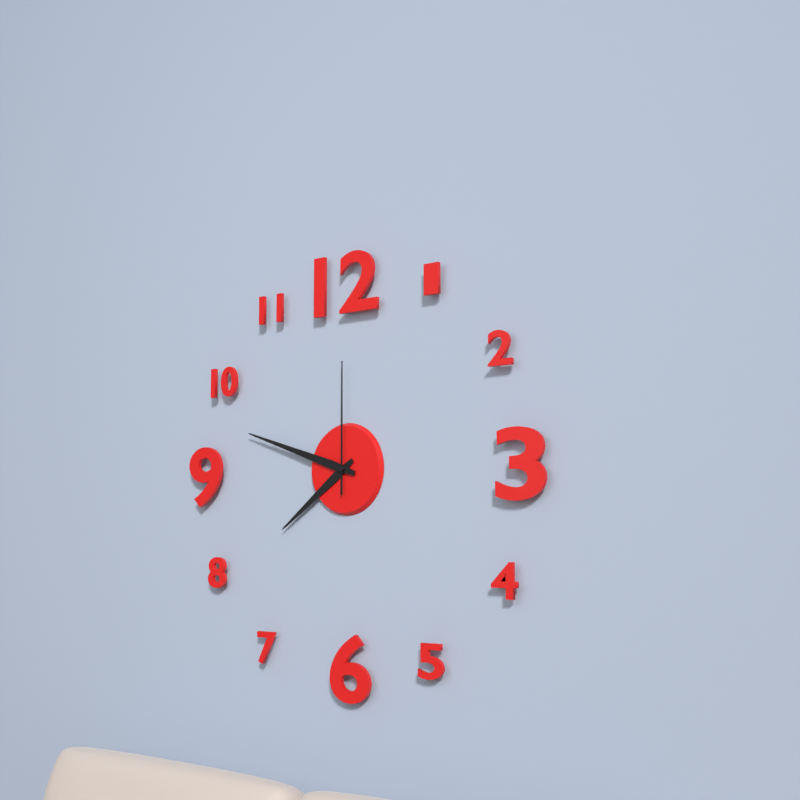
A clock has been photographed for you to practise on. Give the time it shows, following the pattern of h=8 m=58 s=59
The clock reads h=7 m=48 s=0
